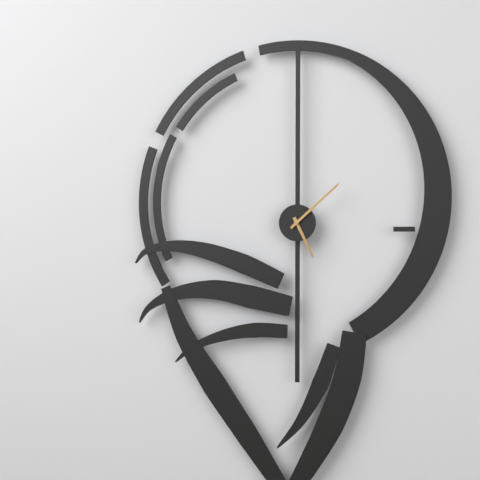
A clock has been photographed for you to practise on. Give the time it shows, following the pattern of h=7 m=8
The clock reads h=5 m=8
